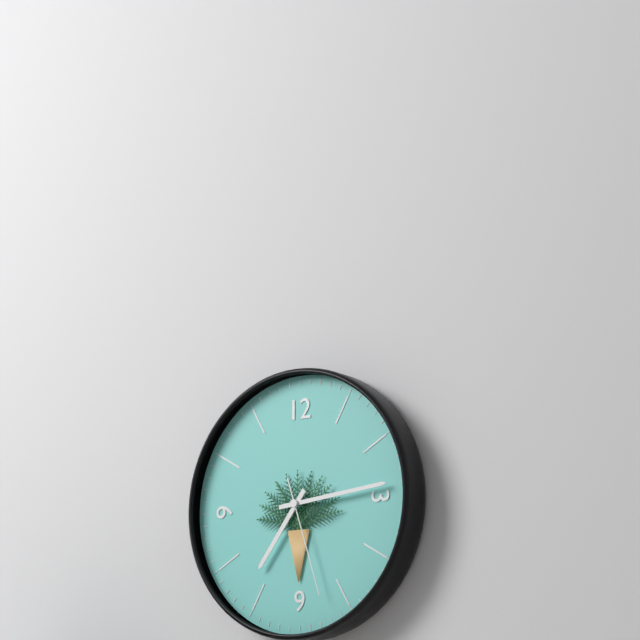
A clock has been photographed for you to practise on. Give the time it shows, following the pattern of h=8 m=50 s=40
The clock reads h=7 m=14 s=27
